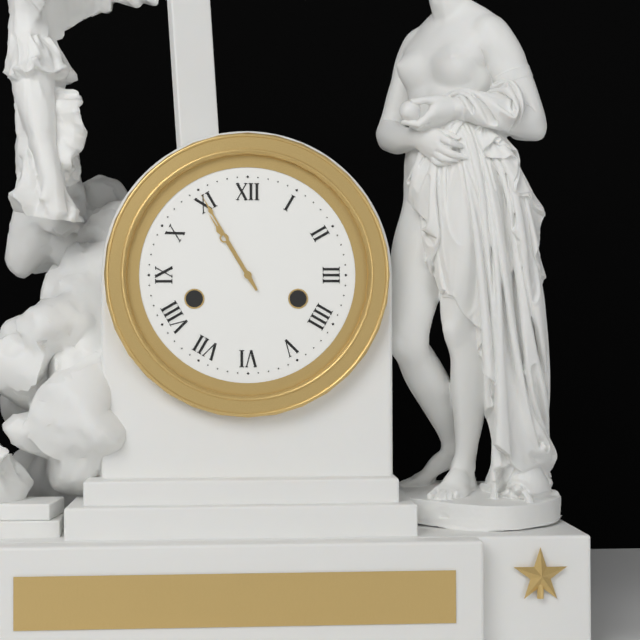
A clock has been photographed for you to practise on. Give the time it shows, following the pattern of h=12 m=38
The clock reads h=10 m=55
